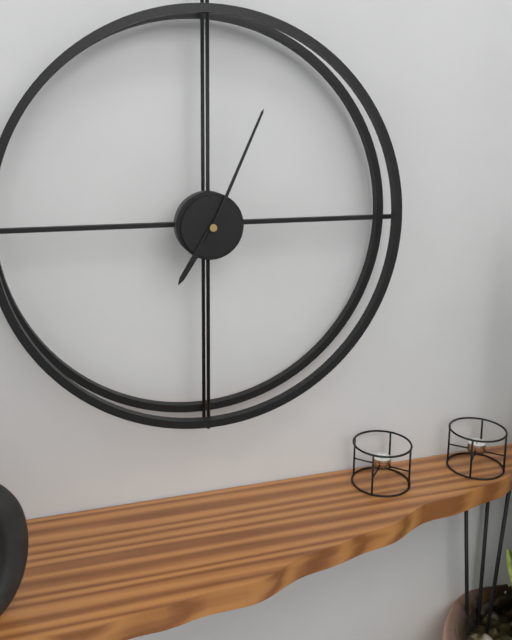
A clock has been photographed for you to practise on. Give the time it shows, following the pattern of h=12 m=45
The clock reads h=7 m=4
